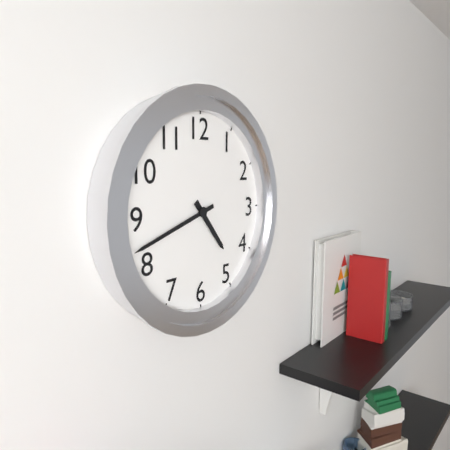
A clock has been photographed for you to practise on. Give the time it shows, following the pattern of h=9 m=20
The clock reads h=4 m=42
